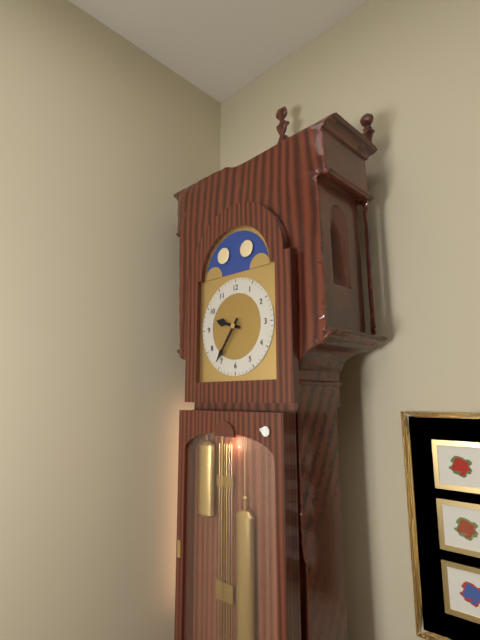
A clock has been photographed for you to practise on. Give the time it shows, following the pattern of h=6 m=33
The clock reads h=9 m=36
